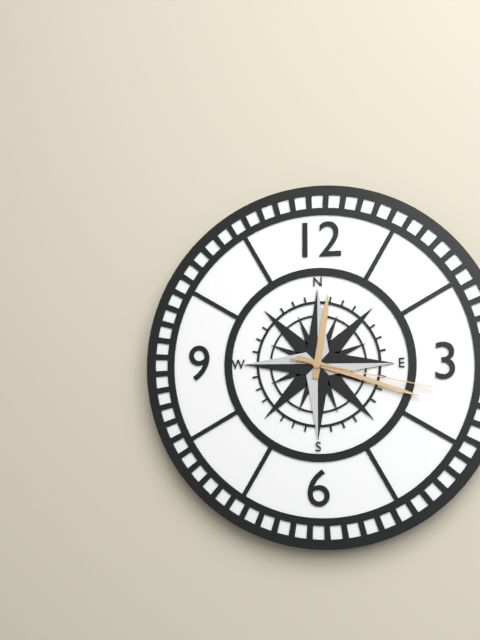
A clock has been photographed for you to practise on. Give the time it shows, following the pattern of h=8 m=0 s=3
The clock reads h=12 m=18 s=17
